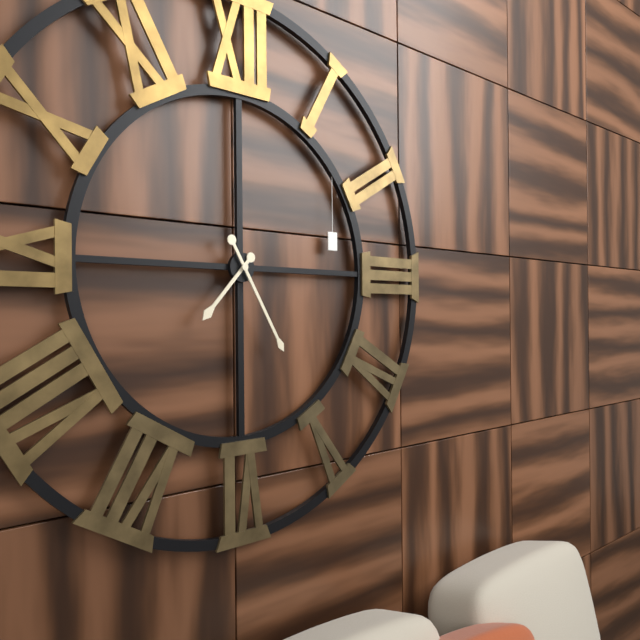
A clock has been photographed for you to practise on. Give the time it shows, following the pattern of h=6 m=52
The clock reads h=7 m=25
